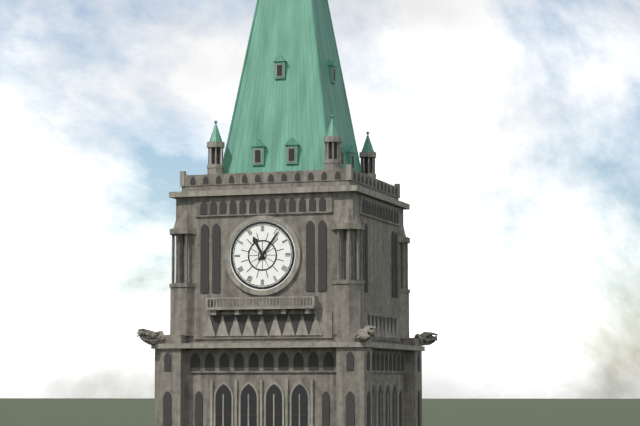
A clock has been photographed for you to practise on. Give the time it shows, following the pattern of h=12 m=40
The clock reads h=11 m=6
